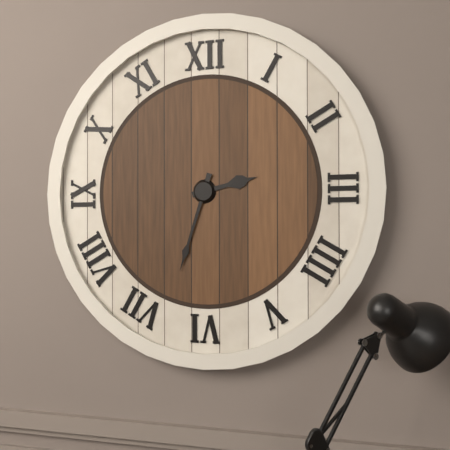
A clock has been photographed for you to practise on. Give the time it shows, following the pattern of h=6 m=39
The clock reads h=2 m=33
